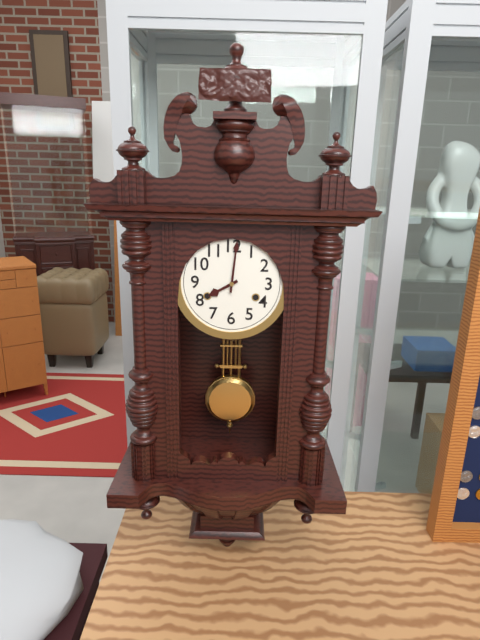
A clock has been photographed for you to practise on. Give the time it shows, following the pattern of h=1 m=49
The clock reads h=8 m=1
